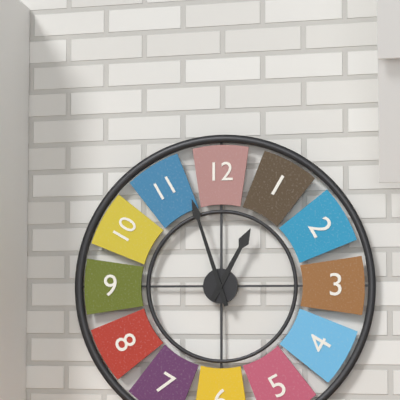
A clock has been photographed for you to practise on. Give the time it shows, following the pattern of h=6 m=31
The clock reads h=12 m=57
